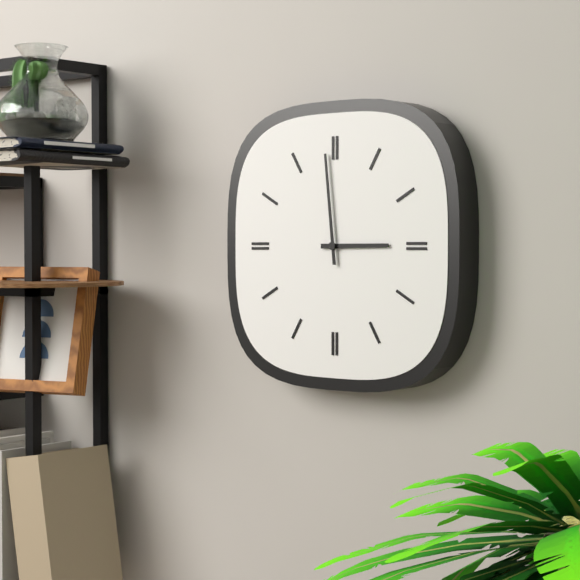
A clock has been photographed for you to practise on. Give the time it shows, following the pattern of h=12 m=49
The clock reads h=2 m=59
